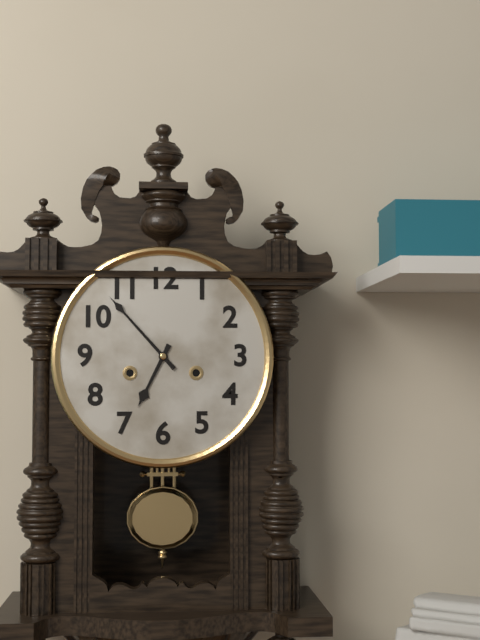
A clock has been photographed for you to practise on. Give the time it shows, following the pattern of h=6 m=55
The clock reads h=6 m=53
